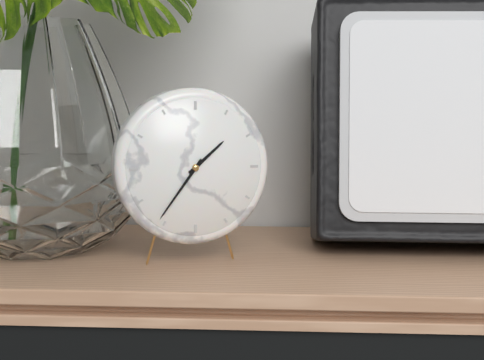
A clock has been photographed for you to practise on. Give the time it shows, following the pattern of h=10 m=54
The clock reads h=1 m=36
